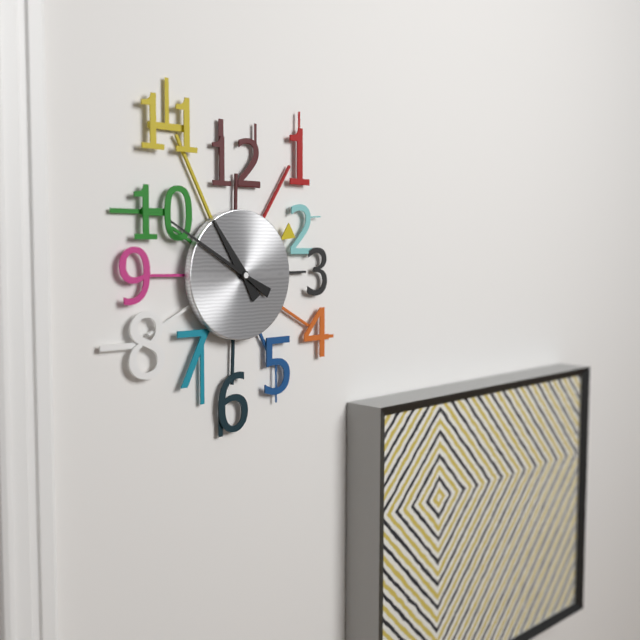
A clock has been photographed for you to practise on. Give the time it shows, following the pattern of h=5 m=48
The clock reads h=10 m=50
